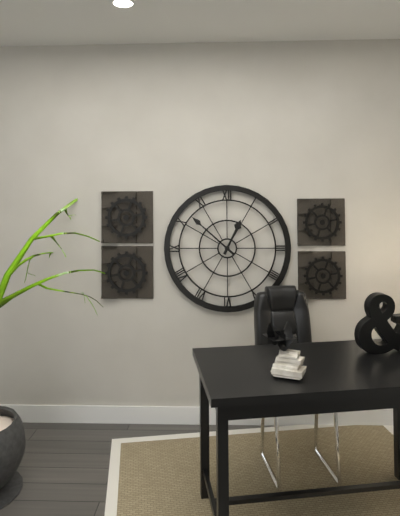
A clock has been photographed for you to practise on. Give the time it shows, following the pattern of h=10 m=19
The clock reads h=12 m=52
